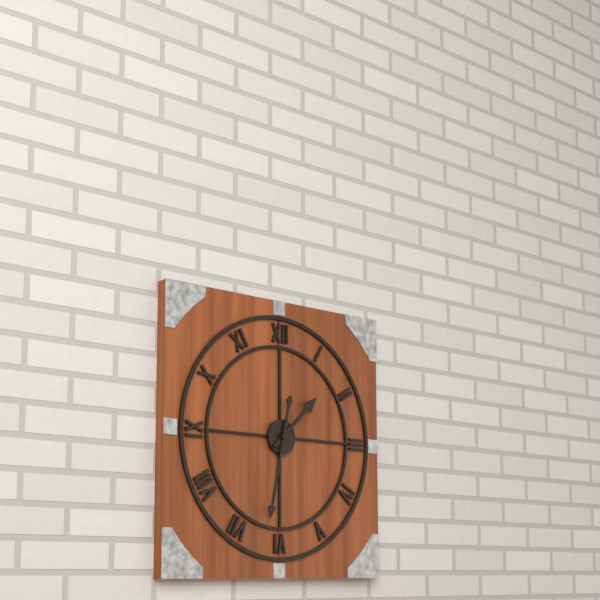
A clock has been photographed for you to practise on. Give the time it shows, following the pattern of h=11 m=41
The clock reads h=1 m=32
